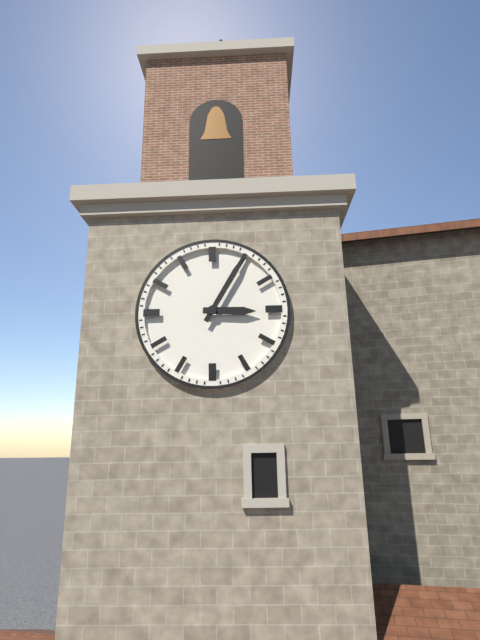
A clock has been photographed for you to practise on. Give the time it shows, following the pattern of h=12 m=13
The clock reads h=3 m=5
